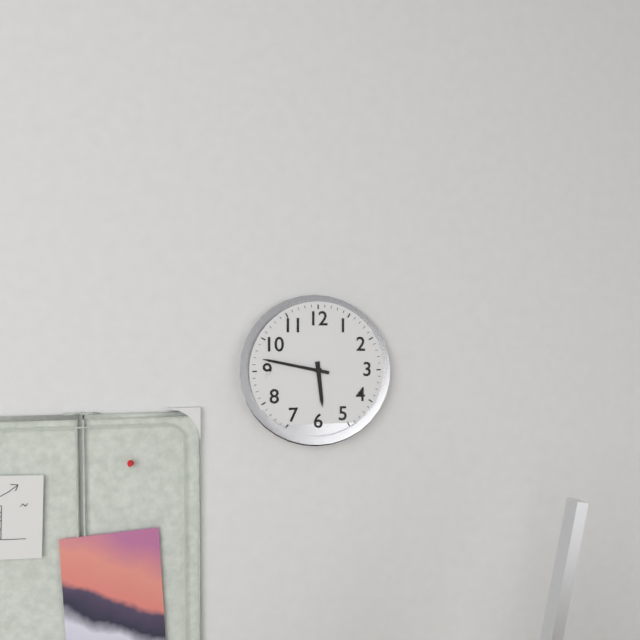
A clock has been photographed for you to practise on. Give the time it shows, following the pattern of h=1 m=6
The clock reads h=5 m=47
